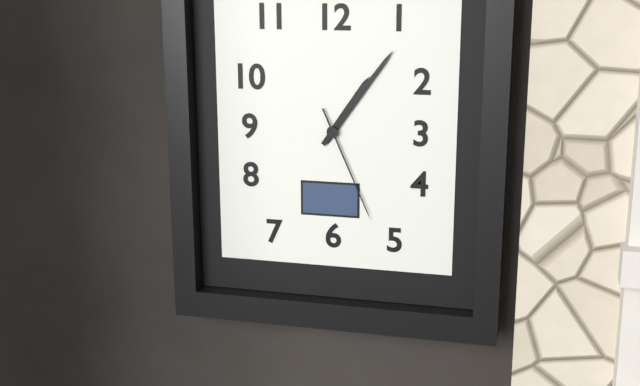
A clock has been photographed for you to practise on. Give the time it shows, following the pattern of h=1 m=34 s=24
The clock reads h=1 m=6 s=26
